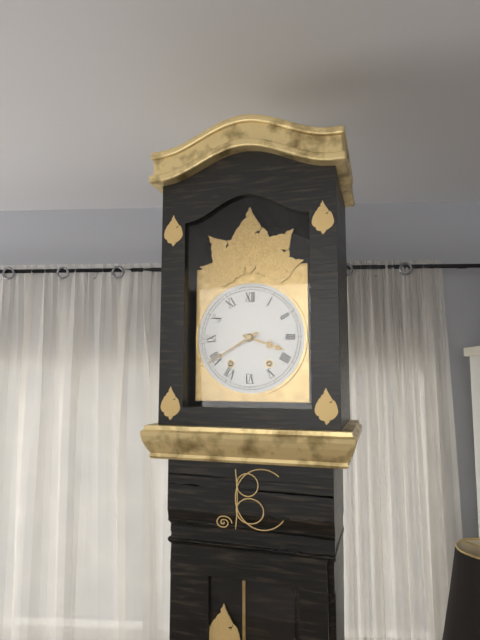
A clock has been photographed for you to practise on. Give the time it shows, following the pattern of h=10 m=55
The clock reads h=3 m=40
